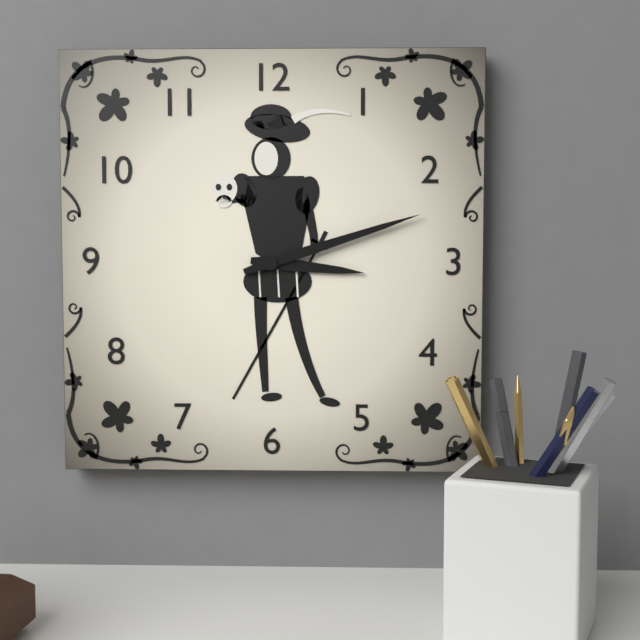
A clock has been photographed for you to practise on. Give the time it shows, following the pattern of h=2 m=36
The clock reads h=3 m=12
